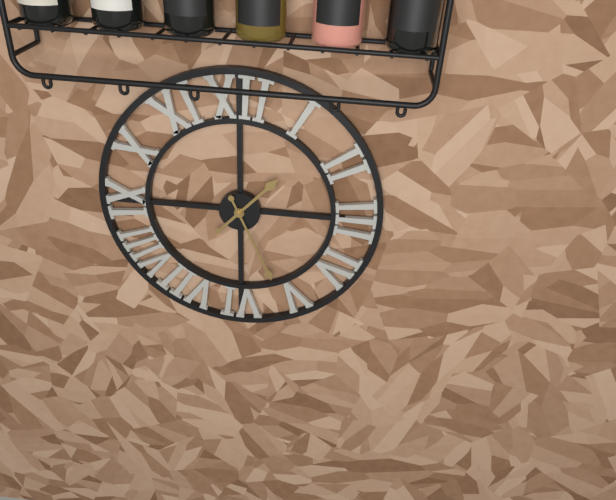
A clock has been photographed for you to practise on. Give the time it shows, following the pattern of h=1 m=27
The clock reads h=1 m=26
